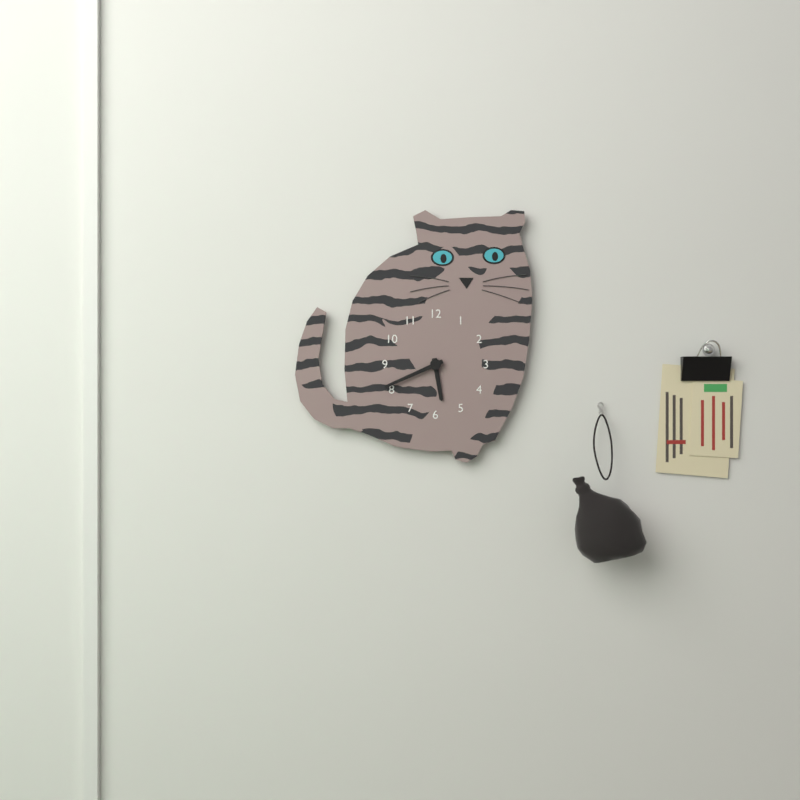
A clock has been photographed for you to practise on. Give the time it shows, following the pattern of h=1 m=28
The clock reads h=5 m=41
